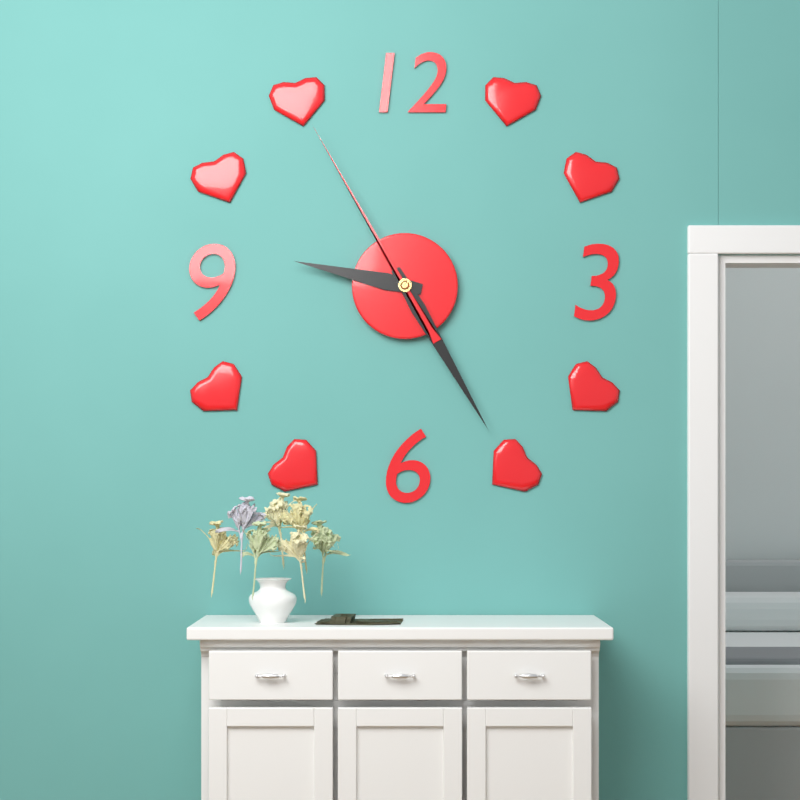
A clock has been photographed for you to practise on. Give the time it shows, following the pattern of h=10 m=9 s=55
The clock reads h=9 m=25 s=55
